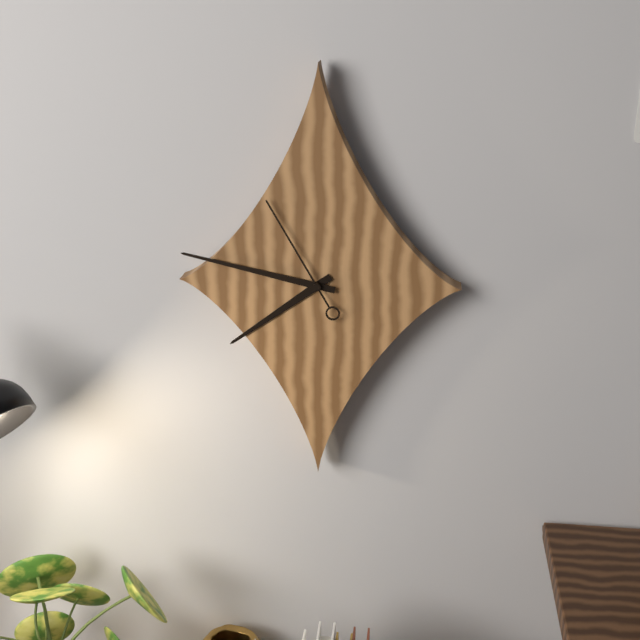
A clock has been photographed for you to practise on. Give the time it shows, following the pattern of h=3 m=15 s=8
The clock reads h=7 m=47 s=55
